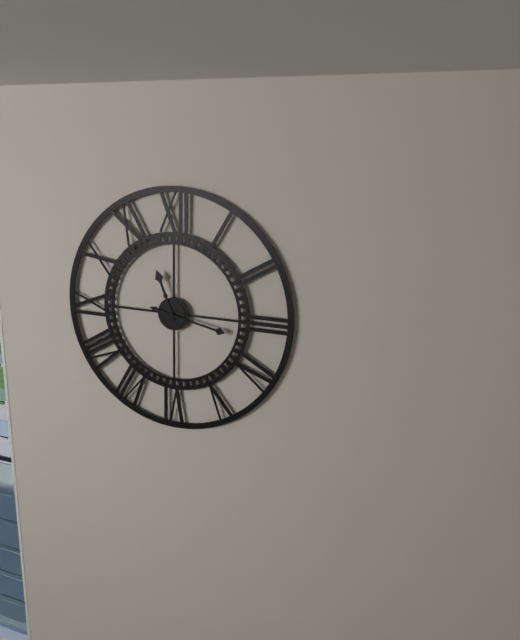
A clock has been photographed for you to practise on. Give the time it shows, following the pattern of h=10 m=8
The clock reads h=11 m=17
